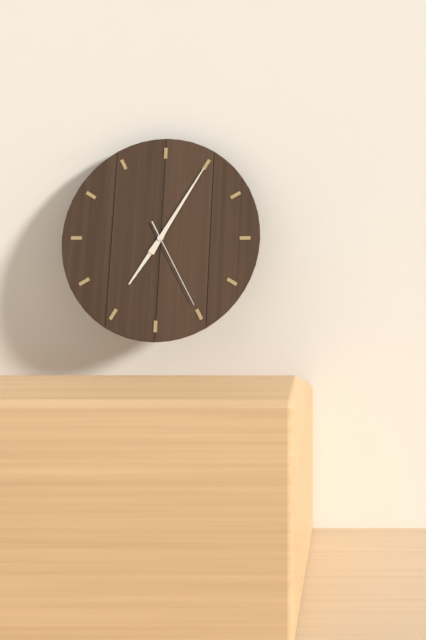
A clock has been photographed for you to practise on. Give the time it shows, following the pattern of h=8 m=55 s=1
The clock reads h=7 m=5 s=25
